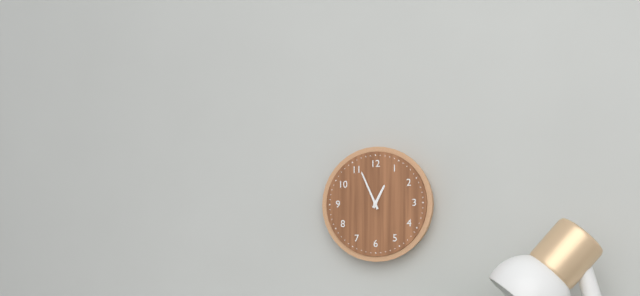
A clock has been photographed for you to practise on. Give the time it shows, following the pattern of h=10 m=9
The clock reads h=12 m=56
